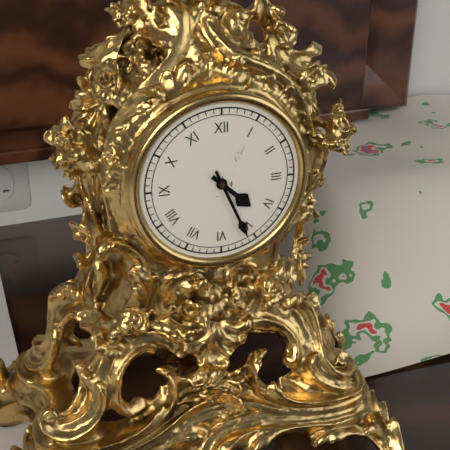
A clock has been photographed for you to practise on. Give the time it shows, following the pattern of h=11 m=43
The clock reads h=4 m=26
